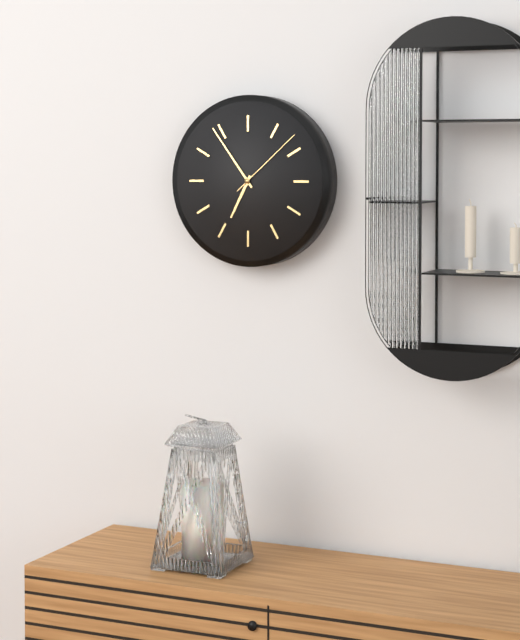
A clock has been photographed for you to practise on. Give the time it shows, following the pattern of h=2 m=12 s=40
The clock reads h=6 m=54 s=8
